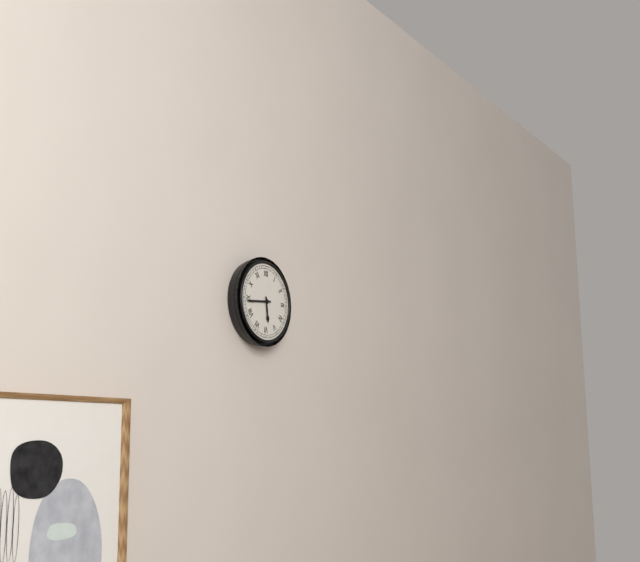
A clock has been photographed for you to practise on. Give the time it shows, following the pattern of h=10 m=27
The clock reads h=5 m=44
